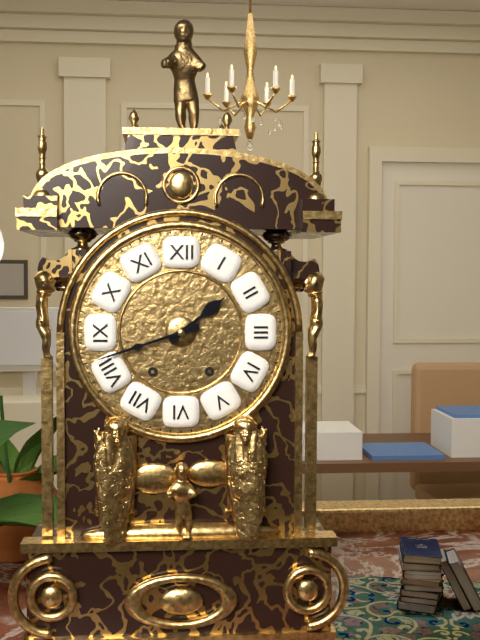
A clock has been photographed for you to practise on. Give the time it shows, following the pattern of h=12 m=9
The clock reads h=1 m=42
